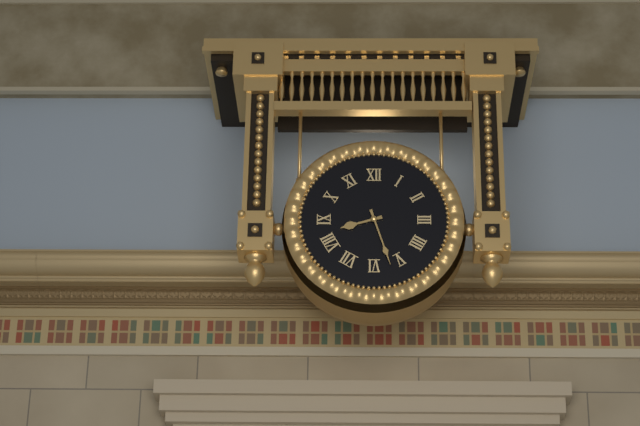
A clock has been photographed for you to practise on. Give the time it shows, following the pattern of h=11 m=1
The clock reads h=8 m=27
